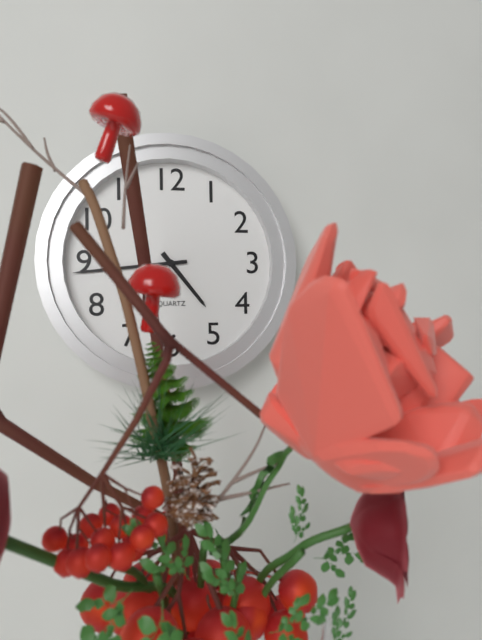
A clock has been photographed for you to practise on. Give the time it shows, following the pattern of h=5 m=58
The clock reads h=4 m=44
